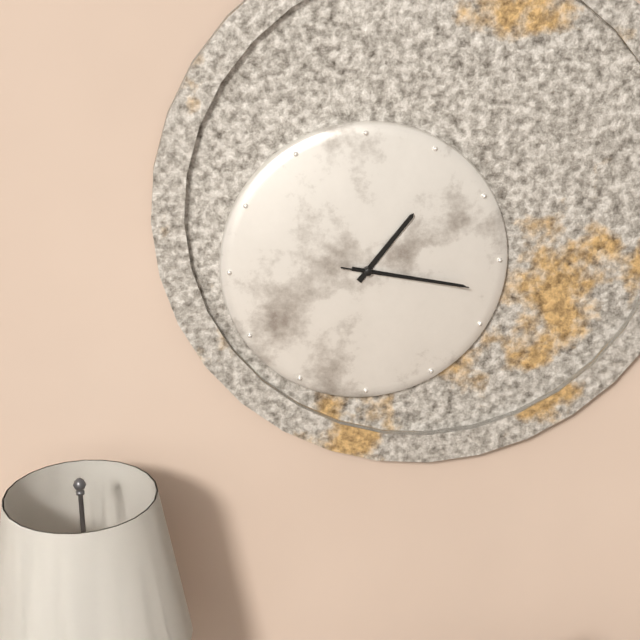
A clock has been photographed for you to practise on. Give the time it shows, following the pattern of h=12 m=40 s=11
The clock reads h=1 m=17 s=17
